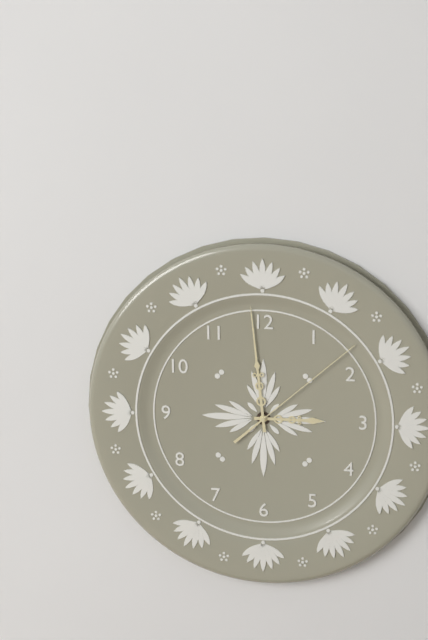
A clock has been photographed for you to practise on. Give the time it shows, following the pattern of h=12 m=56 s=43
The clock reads h=2 m=59 s=8
